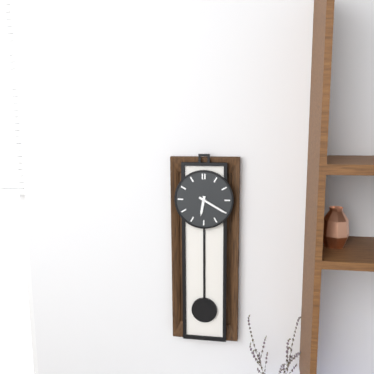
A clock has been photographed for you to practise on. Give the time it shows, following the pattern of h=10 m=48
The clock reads h=6 m=20
